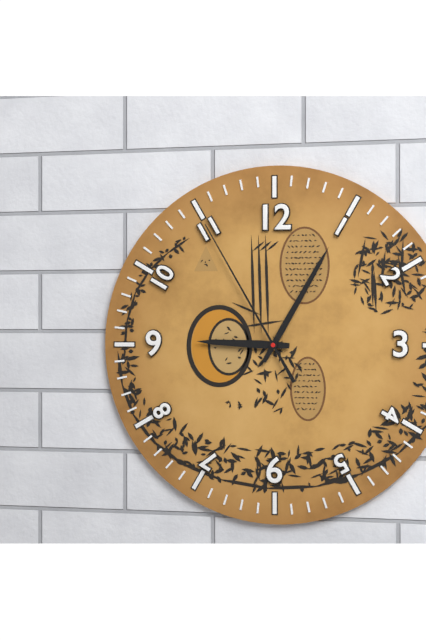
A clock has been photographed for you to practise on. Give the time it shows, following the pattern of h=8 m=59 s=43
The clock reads h=9 m=5 s=55
